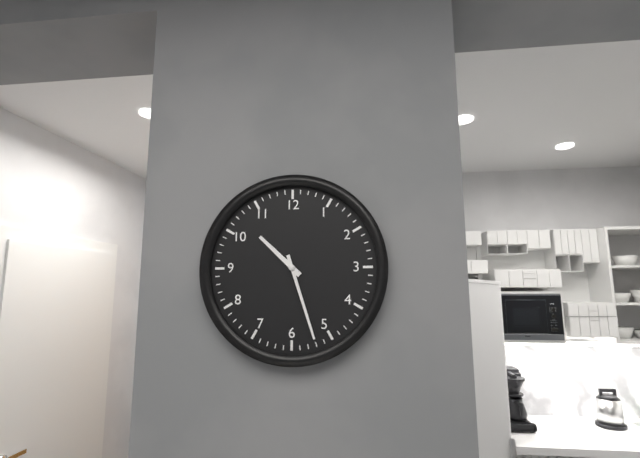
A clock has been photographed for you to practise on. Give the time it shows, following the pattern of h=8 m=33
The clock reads h=10 m=27
